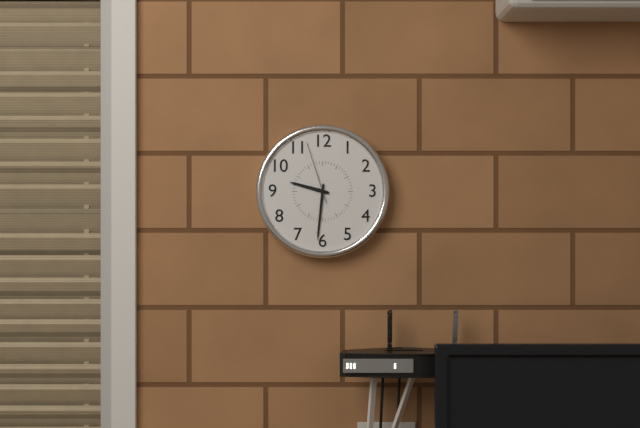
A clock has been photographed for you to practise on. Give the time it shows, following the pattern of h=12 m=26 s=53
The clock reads h=9 m=31 s=57
